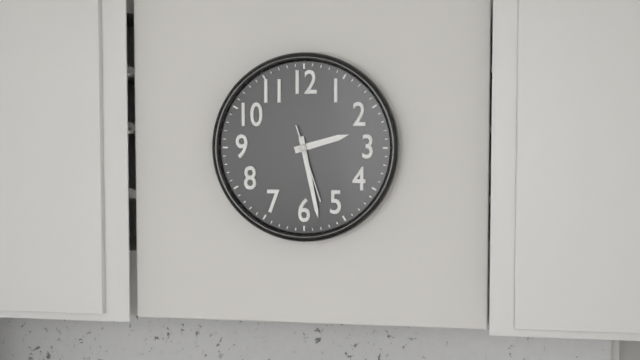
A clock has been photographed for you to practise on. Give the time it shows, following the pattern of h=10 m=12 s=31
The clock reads h=2 m=28 s=27
